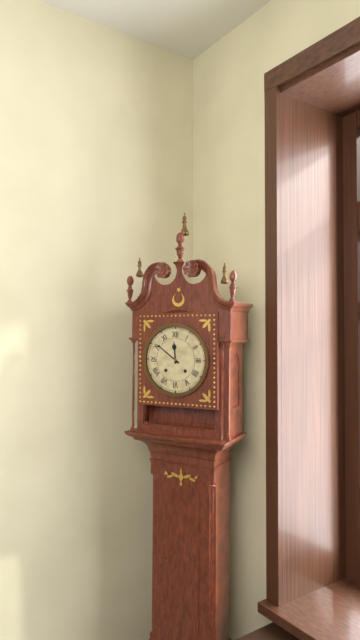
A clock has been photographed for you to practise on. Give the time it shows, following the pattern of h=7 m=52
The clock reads h=11 m=51
